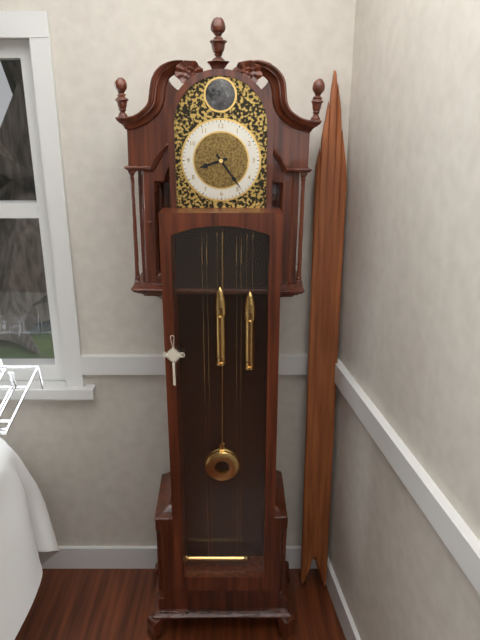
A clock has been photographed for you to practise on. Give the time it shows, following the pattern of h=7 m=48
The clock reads h=8 m=24
